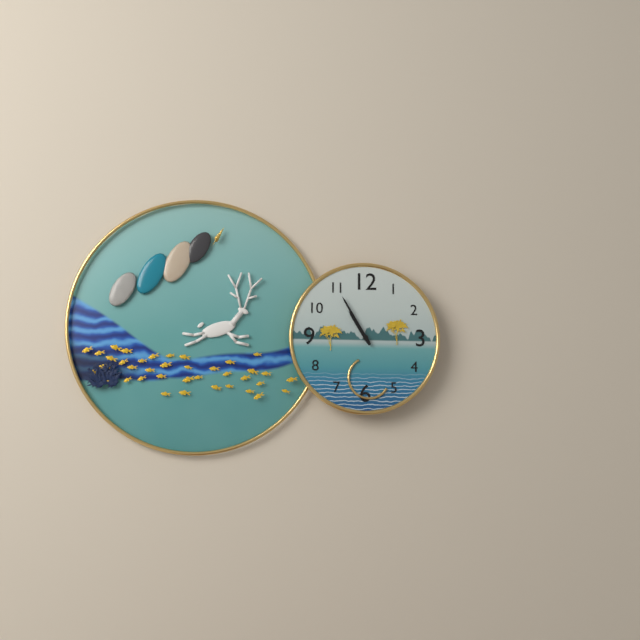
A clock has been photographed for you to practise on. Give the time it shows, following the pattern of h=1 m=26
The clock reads h=10 m=55
